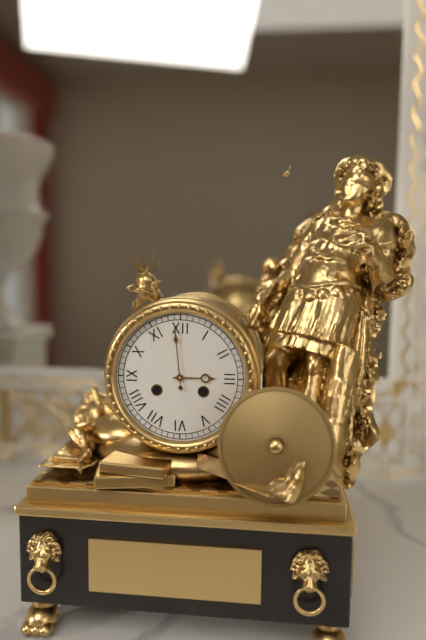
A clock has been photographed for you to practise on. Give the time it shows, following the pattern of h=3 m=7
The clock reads h=2 m=59
